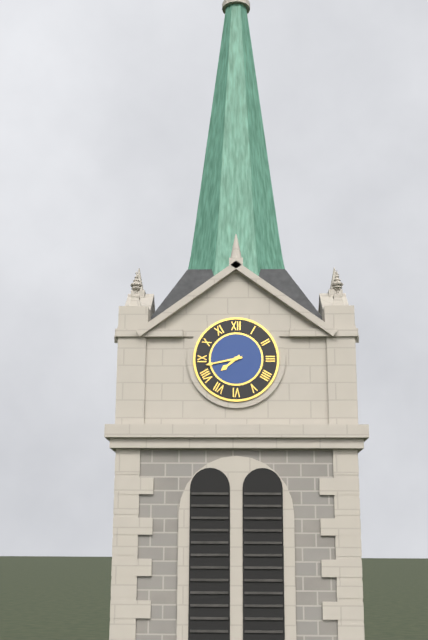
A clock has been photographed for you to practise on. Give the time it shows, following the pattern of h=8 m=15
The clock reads h=7 m=43
